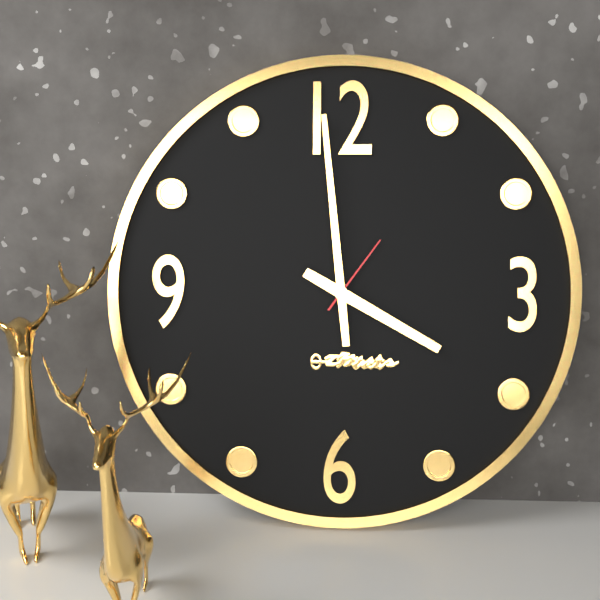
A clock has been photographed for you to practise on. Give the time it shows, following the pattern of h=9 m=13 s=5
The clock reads h=3 m=59 s=6
